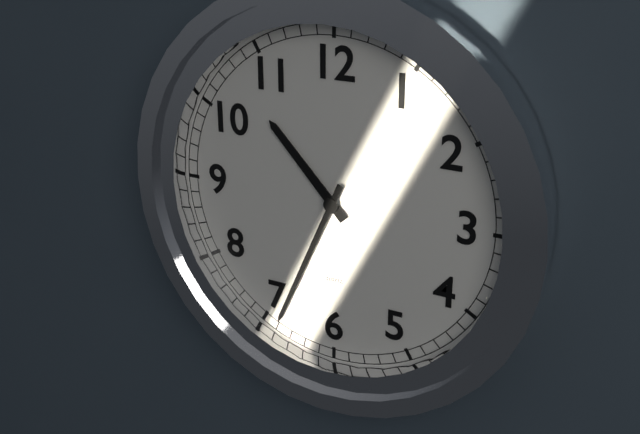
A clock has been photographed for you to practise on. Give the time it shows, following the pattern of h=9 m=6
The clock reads h=10 m=34
